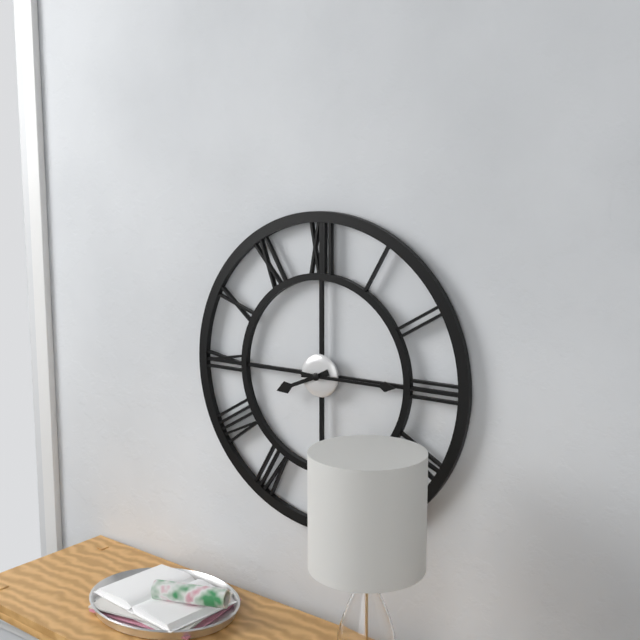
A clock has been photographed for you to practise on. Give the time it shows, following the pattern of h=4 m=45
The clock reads h=8 m=15
